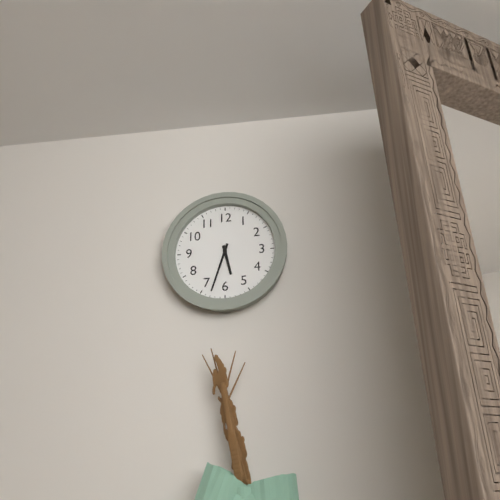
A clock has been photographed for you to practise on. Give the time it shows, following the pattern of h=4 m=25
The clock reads h=5 m=33
